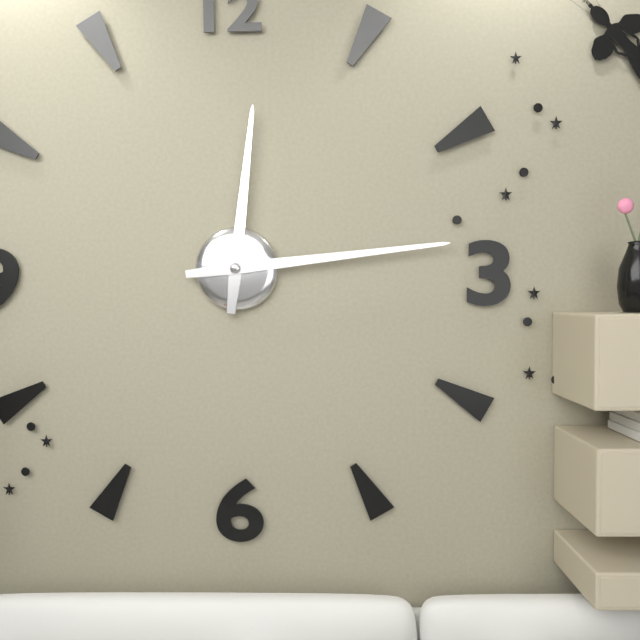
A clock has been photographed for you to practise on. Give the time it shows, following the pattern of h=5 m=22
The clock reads h=12 m=14
